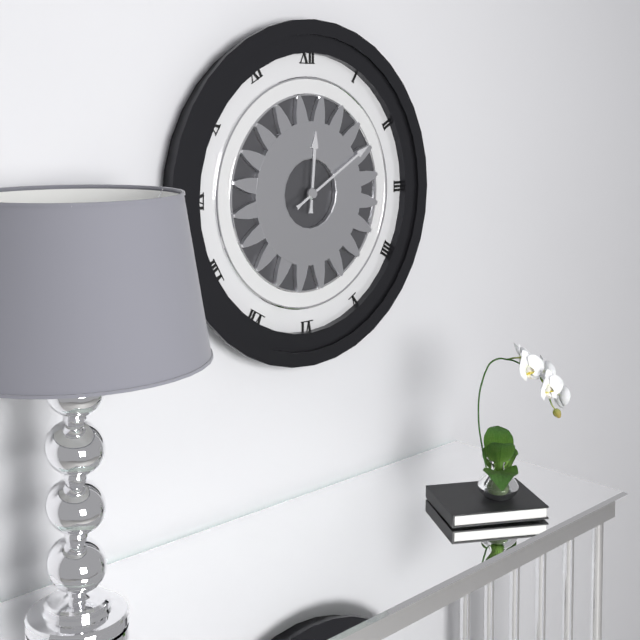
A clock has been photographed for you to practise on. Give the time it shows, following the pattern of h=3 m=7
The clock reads h=12 m=10
